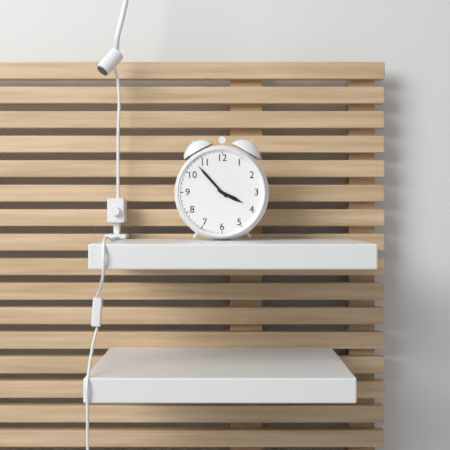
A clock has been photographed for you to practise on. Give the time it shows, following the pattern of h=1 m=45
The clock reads h=3 m=53
